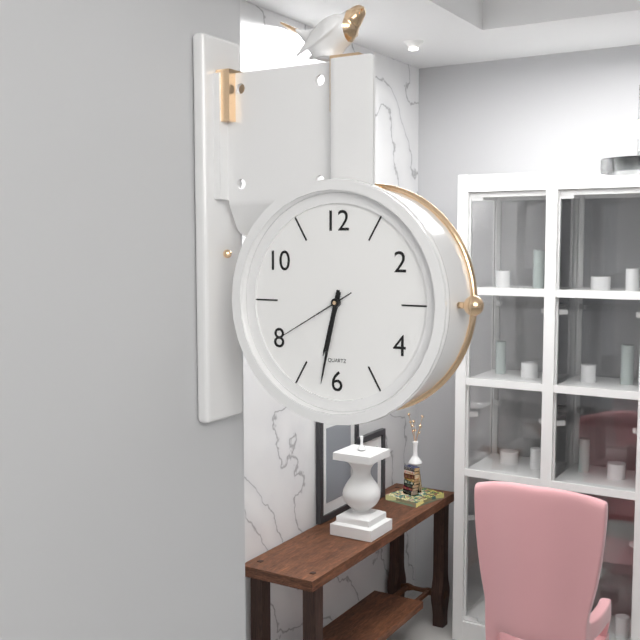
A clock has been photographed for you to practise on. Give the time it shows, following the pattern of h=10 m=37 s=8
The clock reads h=6 m=32 s=40
